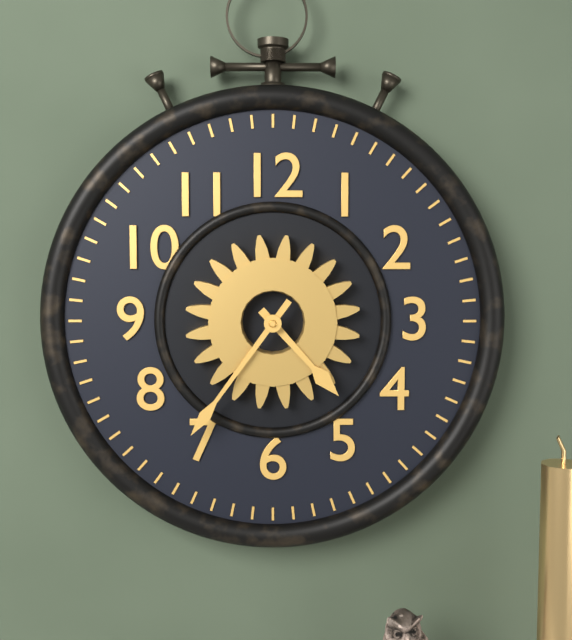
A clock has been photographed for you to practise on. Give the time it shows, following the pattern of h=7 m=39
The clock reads h=4 m=36
